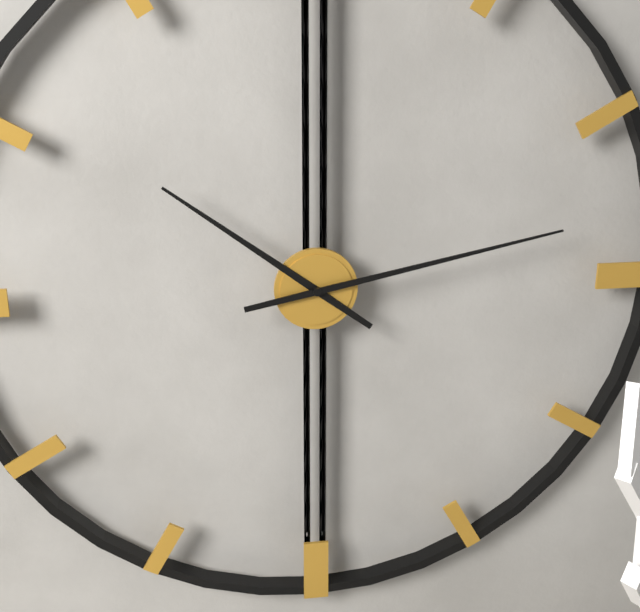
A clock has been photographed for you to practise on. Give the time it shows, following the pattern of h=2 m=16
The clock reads h=10 m=13
